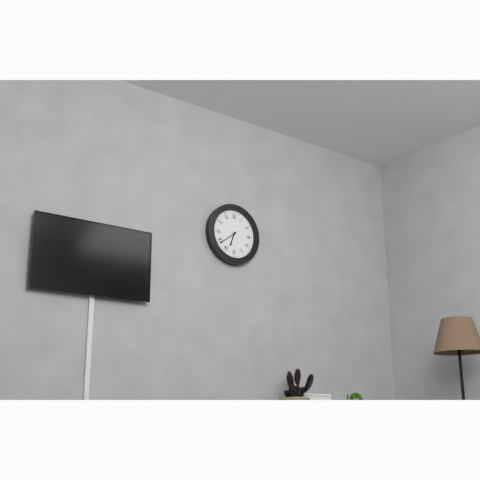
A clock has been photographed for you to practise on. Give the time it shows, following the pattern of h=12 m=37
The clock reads h=6 m=39
